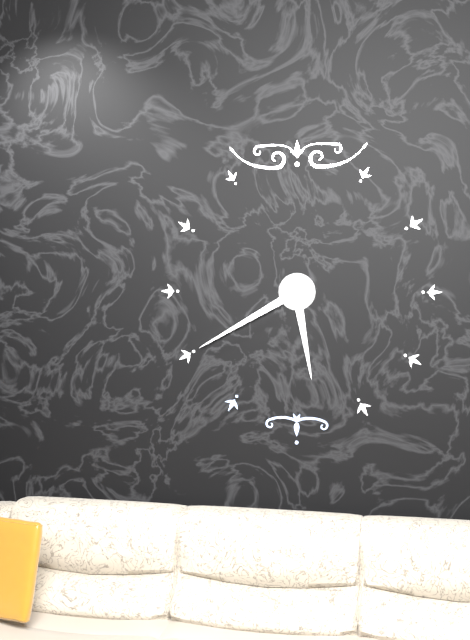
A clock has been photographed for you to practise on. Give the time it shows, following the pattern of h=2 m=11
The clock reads h=5 m=40
